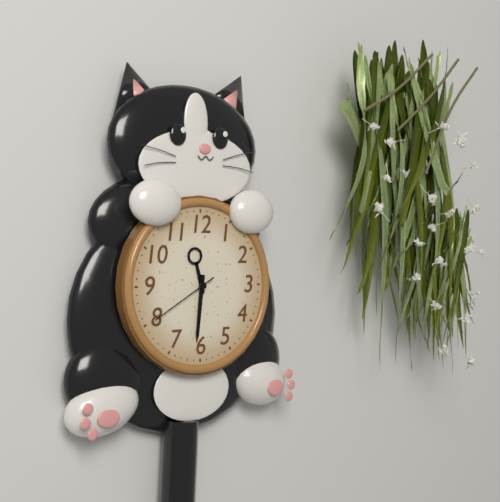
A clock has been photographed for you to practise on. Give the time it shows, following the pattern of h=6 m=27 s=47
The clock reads h=11 m=31 s=40
